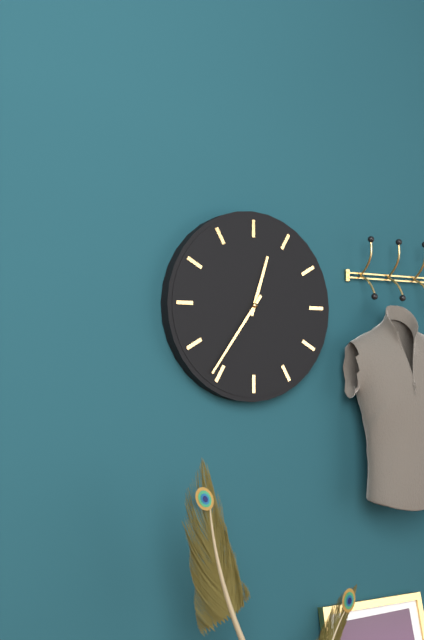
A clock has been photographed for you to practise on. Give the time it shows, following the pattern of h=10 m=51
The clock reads h=12 m=36
